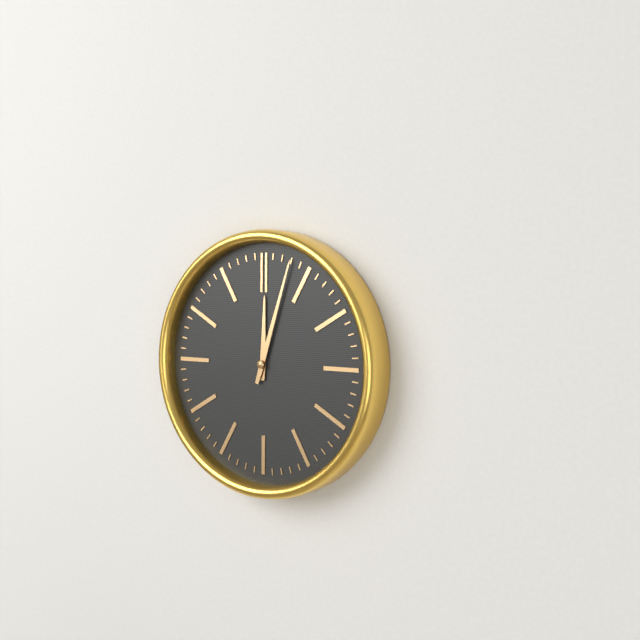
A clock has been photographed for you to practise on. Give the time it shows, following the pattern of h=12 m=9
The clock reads h=12 m=3
